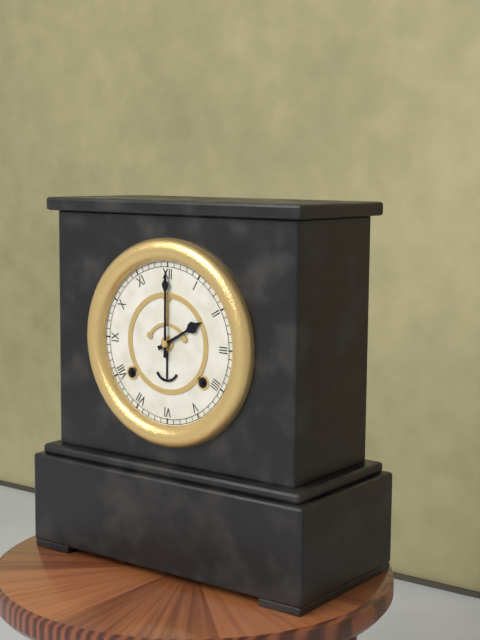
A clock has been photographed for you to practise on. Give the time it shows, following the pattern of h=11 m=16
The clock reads h=2 m=0
